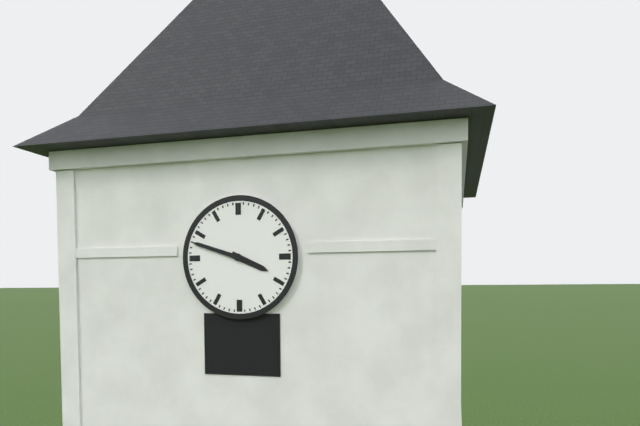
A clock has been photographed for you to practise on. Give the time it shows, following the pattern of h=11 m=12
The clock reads h=3 m=48
